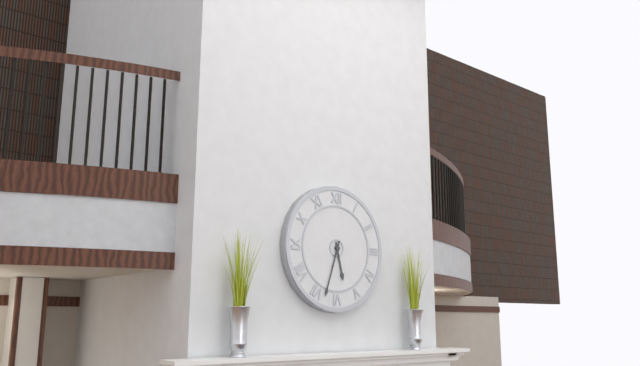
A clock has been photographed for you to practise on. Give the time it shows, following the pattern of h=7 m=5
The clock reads h=5 m=33
